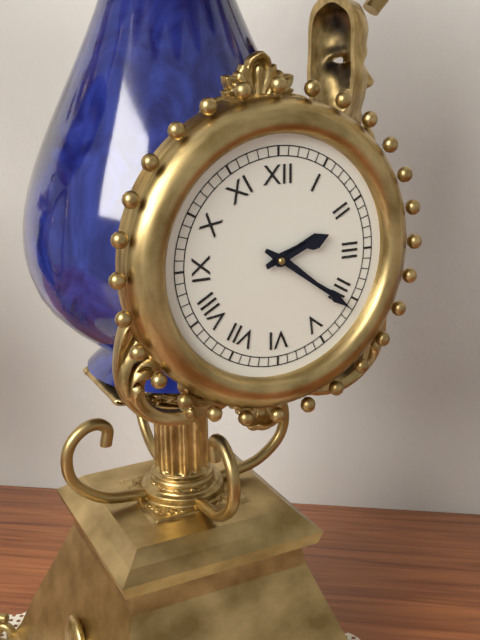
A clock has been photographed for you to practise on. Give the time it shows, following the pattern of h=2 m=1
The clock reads h=2 m=21
